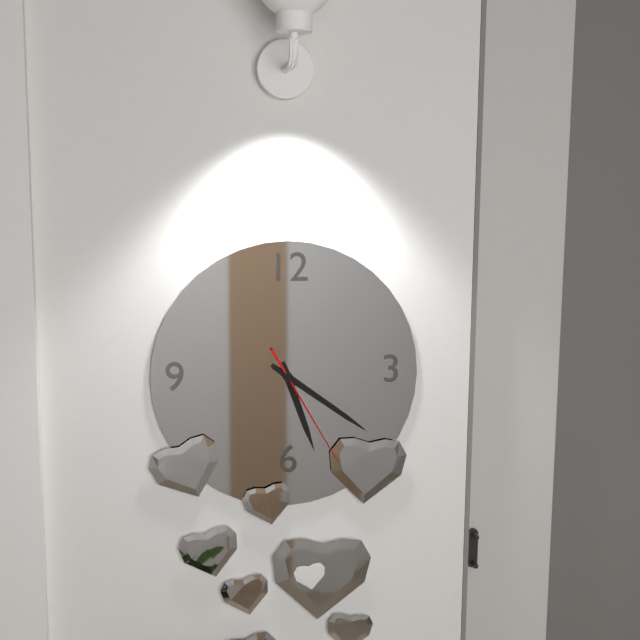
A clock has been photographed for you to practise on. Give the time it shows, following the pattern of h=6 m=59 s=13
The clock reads h=5 m=21 s=25
